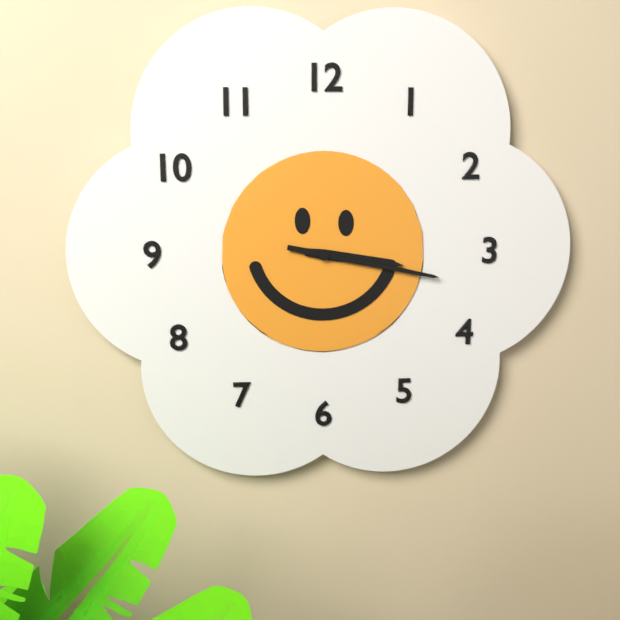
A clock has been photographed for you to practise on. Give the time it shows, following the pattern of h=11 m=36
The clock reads h=3 m=17
